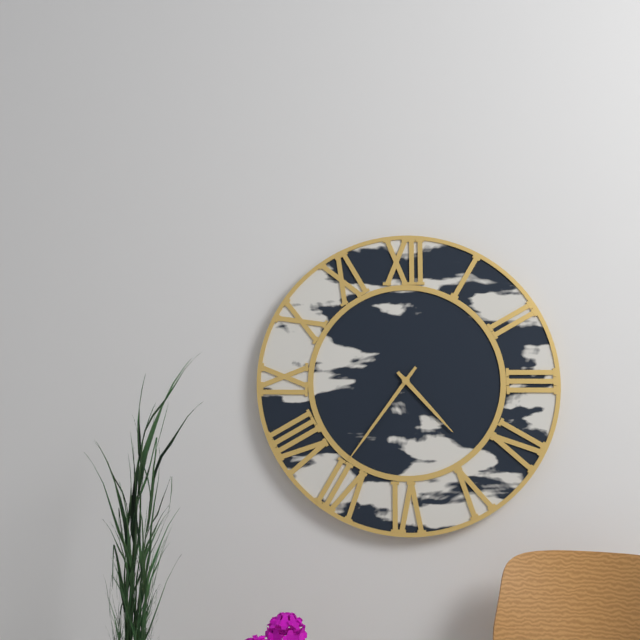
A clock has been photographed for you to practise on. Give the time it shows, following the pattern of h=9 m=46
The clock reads h=4 m=36
